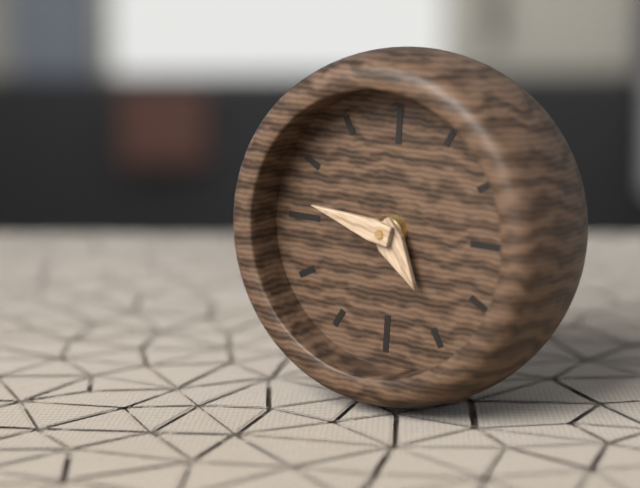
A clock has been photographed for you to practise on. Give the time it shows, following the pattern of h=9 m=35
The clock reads h=4 m=47
